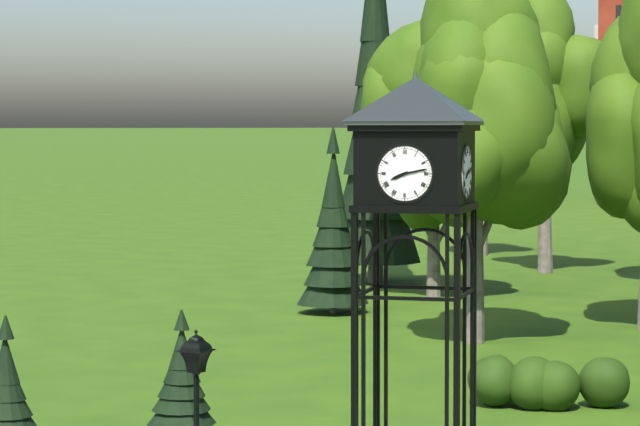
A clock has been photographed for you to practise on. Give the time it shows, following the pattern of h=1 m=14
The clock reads h=8 m=13
